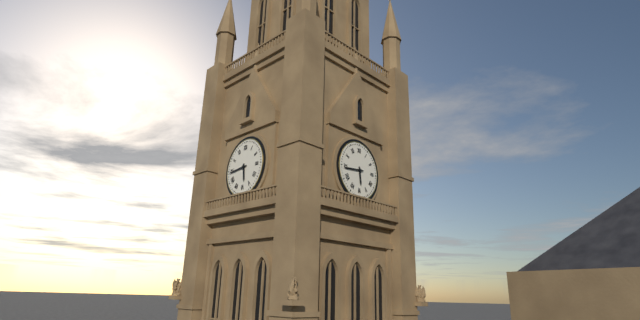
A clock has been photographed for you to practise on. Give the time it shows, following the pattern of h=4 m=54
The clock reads h=5 m=44
